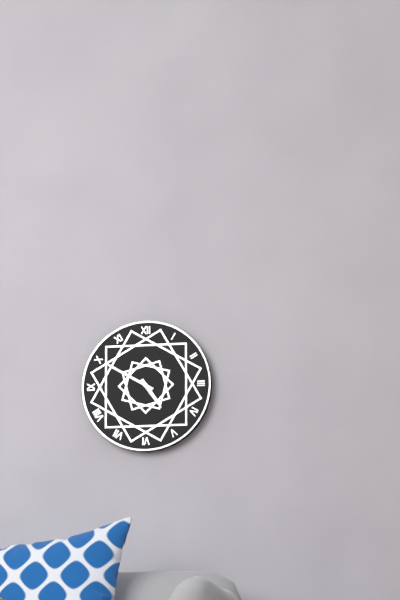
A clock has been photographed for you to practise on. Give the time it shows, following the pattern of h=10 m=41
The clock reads h=4 m=50
